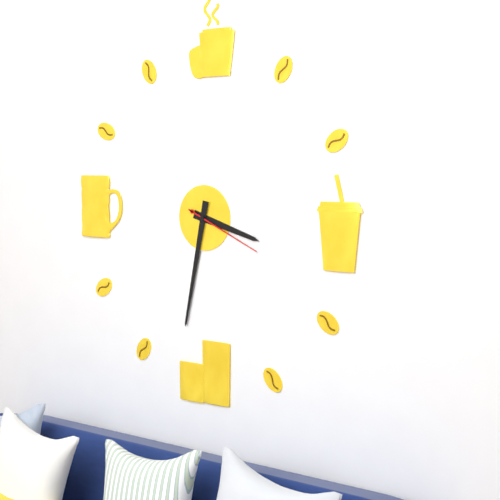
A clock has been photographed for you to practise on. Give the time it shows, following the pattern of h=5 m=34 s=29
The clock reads h=3 m=32 s=19
